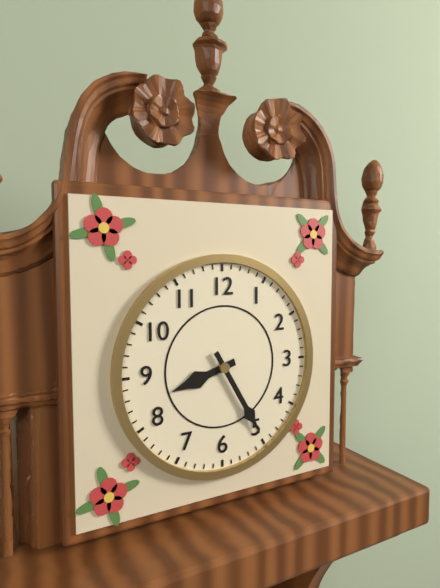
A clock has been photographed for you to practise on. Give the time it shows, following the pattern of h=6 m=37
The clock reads h=8 m=25
